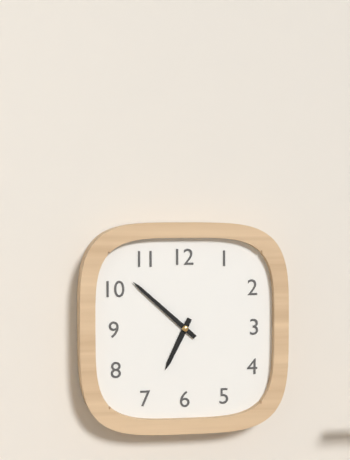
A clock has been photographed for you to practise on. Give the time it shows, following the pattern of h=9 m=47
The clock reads h=6 m=52
